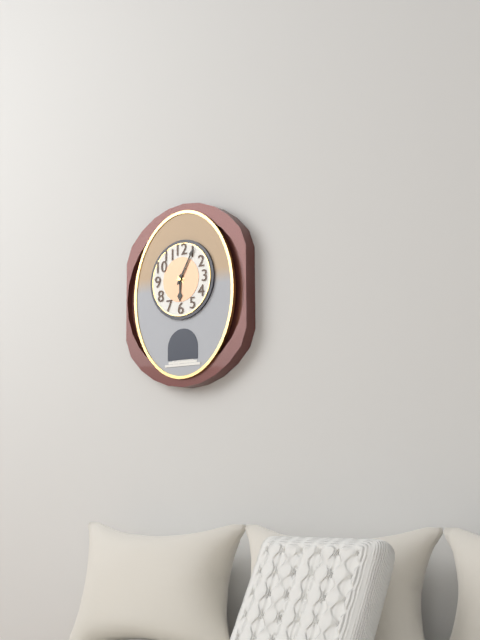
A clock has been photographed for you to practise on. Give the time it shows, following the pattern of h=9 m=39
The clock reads h=6 m=5
